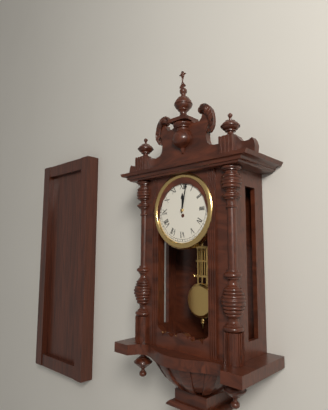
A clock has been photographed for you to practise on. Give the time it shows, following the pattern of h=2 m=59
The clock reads h=12 m=2
